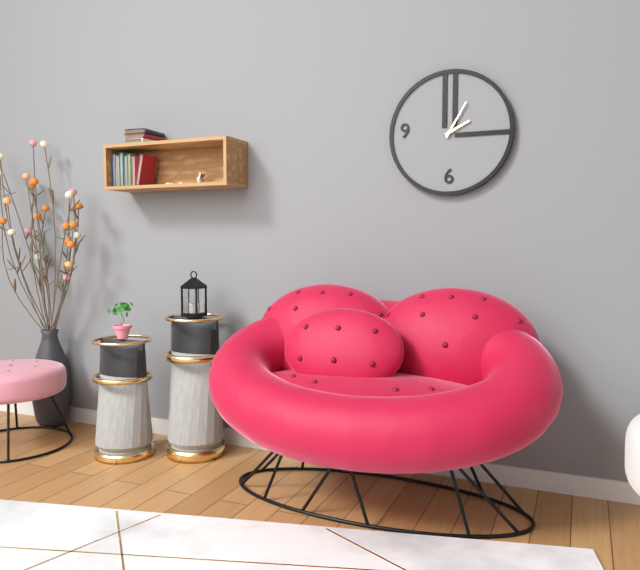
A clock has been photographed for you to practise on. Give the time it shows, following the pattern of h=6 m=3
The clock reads h=2 m=5
